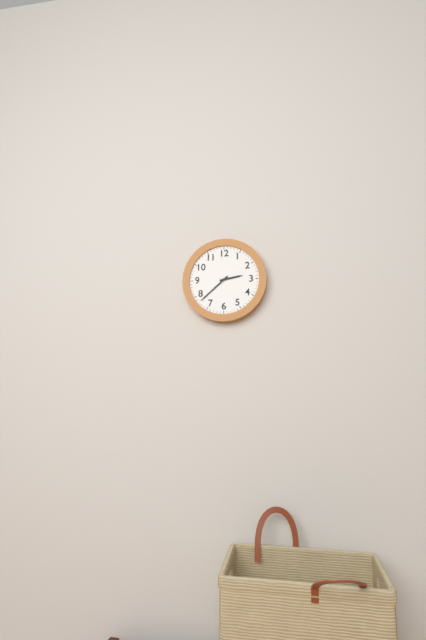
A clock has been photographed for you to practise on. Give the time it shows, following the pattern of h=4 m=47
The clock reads h=2 m=38
